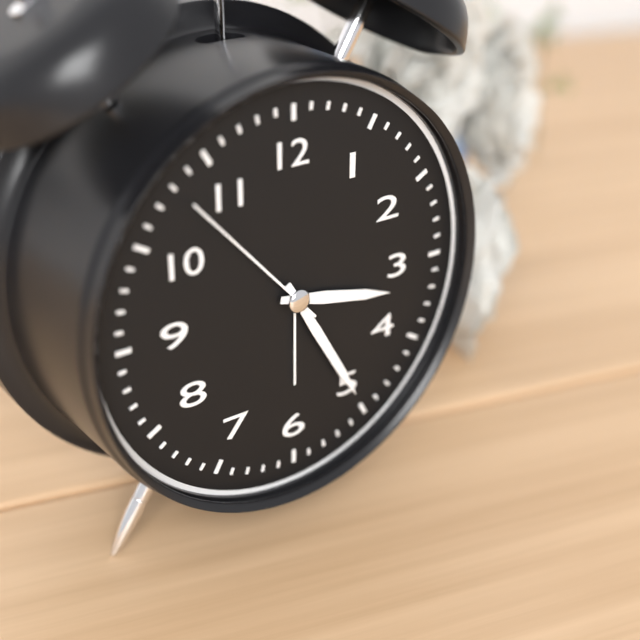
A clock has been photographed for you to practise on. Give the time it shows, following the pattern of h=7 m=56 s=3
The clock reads h=3 m=25 s=53
